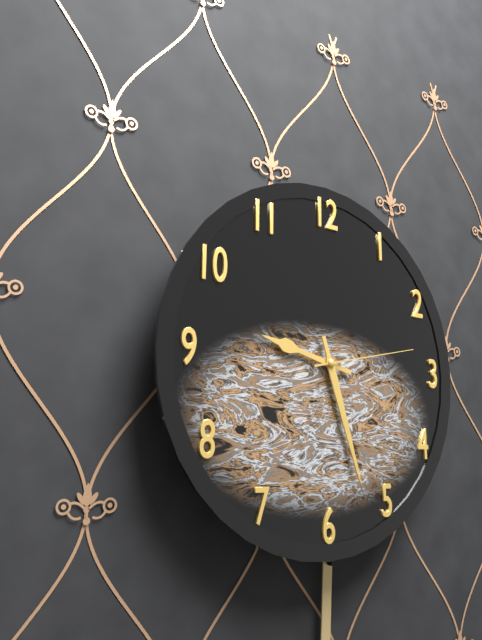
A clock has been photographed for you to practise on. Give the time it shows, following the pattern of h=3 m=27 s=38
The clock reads h=9 m=27 s=13
